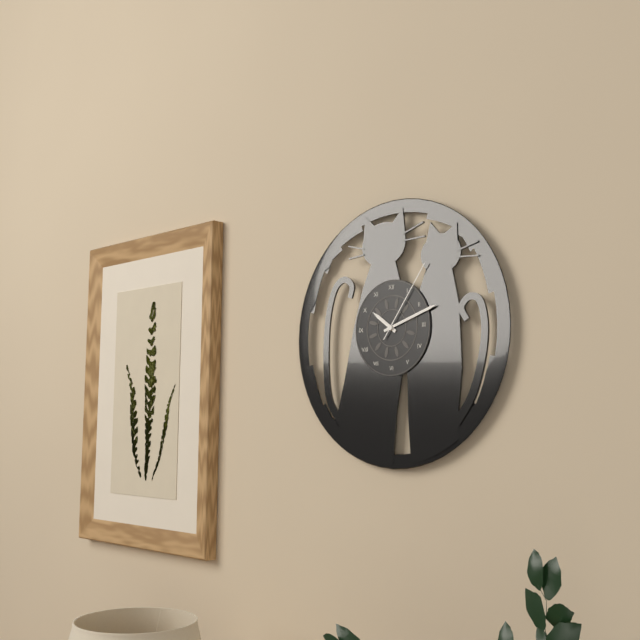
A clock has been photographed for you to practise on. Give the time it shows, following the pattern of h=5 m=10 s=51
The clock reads h=10 m=12 s=6
